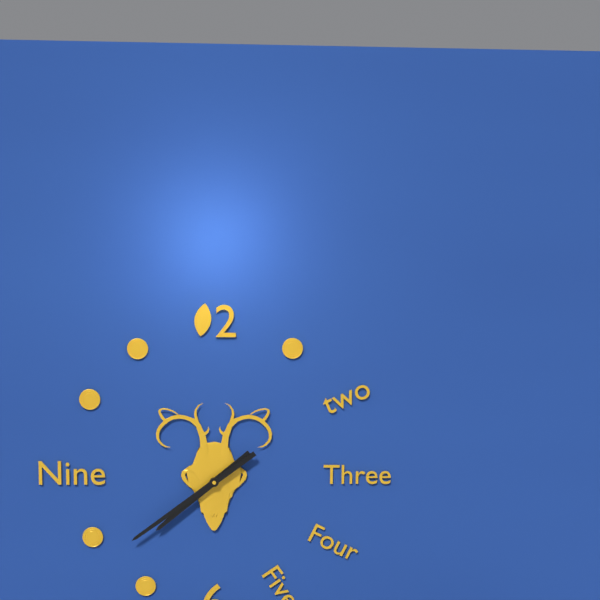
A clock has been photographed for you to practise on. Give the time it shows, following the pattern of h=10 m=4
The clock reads h=7 m=39
